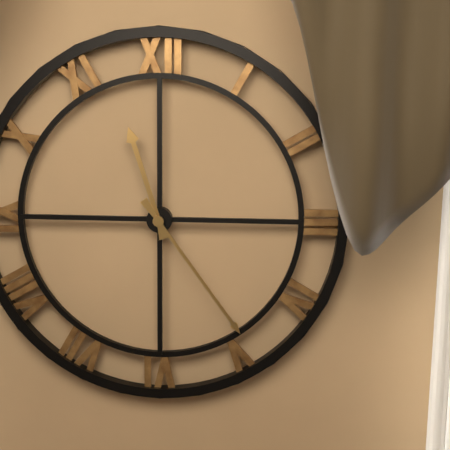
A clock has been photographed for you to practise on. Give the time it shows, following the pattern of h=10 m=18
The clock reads h=11 m=24
